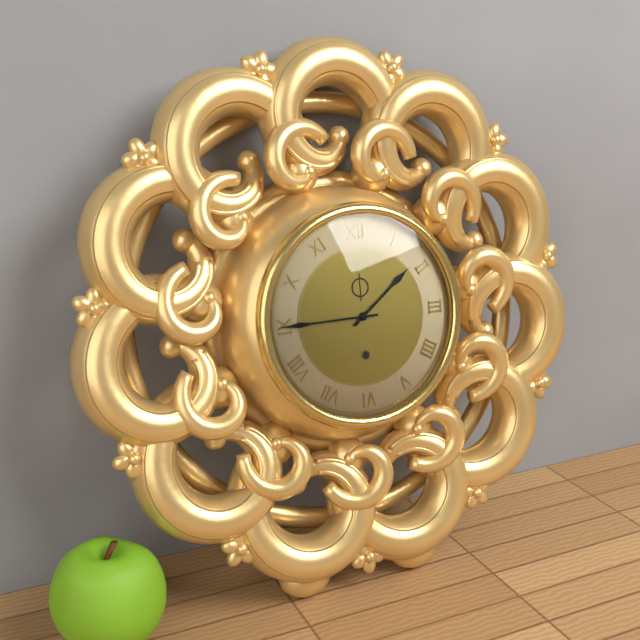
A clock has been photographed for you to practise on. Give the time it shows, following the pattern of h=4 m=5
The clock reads h=1 m=45
